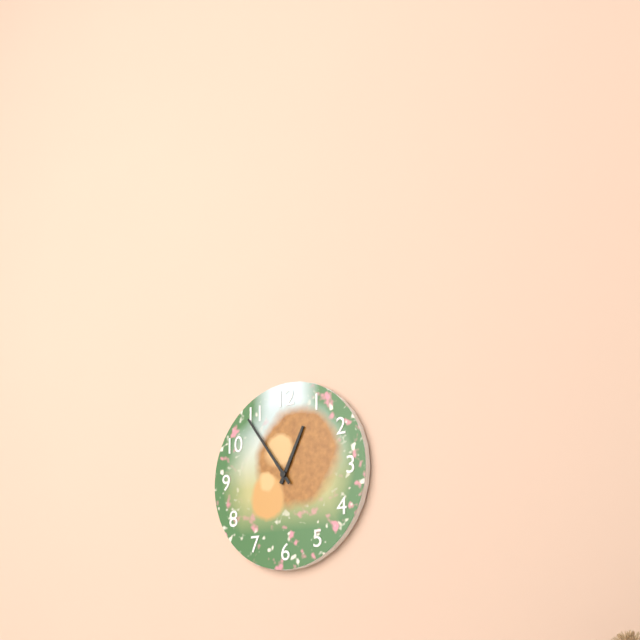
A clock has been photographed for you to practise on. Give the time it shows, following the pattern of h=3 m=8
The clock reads h=12 m=54
